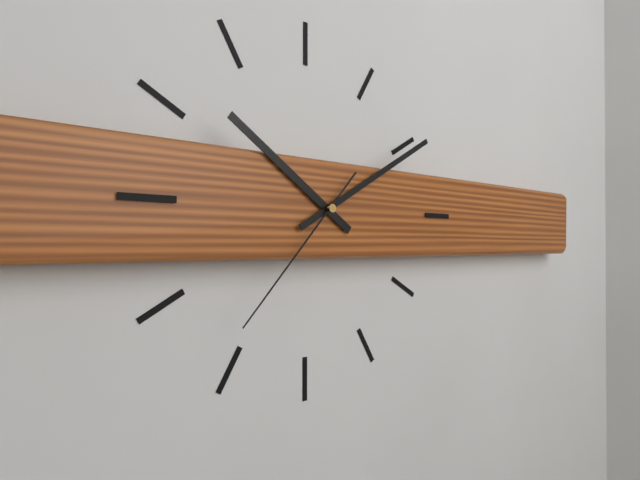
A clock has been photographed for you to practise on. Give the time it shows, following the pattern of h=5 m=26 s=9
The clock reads h=10 m=10 s=37
